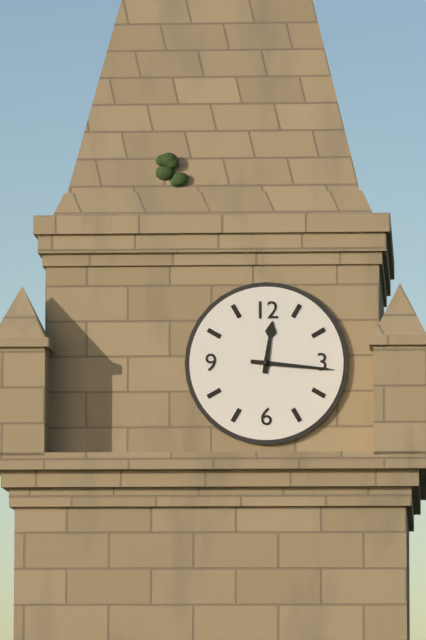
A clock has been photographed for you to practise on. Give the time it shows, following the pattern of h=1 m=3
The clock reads h=12 m=16
